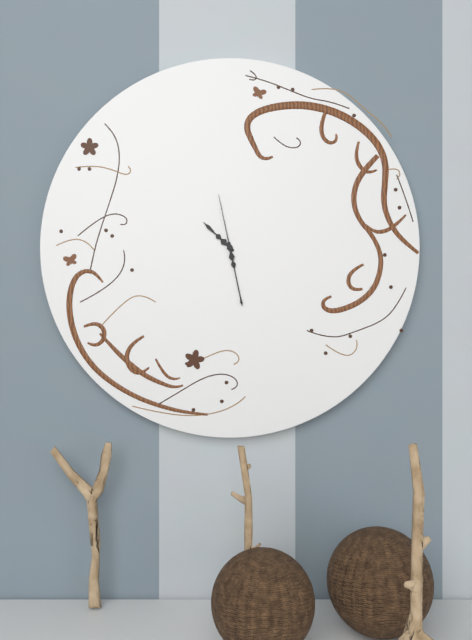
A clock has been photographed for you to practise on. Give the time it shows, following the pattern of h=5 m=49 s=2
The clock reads h=10 m=28 s=58
